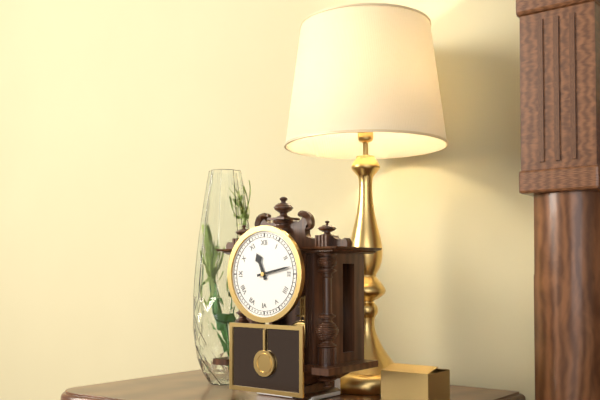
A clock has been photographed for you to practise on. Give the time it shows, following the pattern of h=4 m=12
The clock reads h=11 m=13
